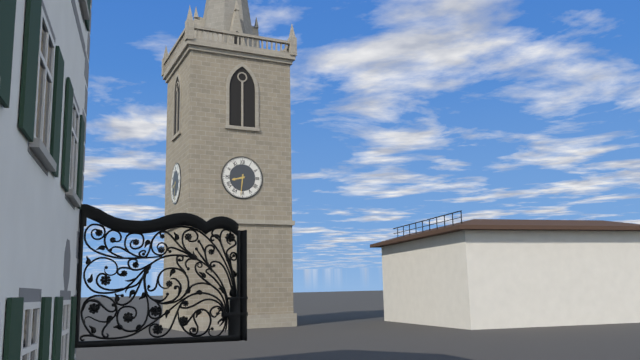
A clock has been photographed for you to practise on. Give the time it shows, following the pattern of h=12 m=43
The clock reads h=8 m=31
